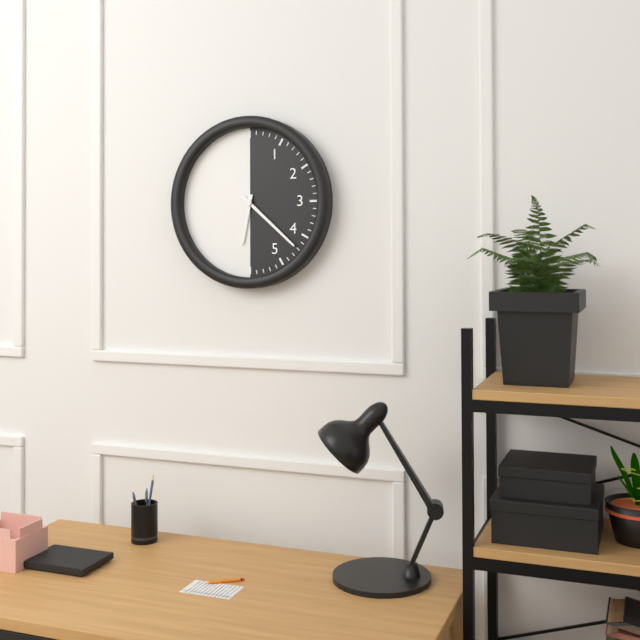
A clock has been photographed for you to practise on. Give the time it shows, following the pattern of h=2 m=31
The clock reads h=6 m=22
